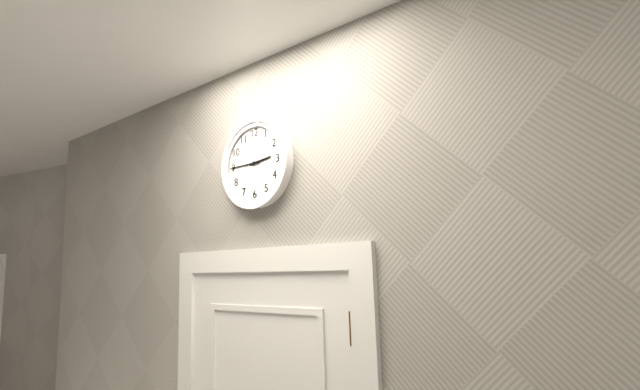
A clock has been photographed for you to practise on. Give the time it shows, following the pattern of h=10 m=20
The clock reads h=2 m=45
